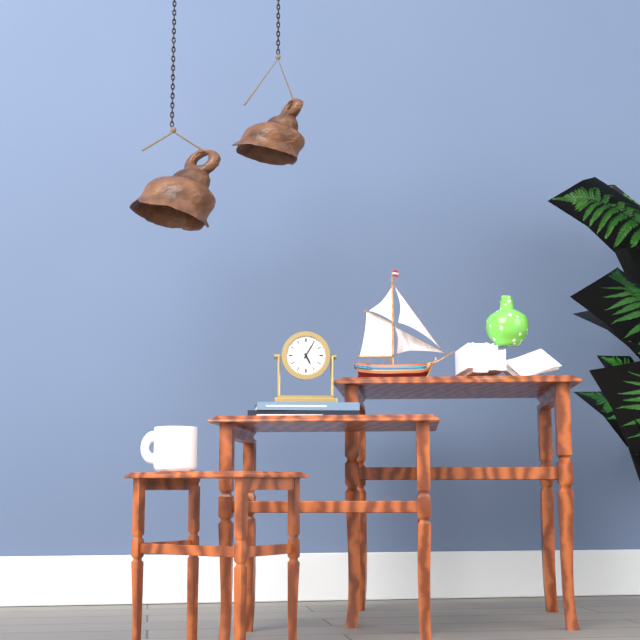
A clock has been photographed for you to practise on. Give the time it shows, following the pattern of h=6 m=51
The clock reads h=5 m=5
